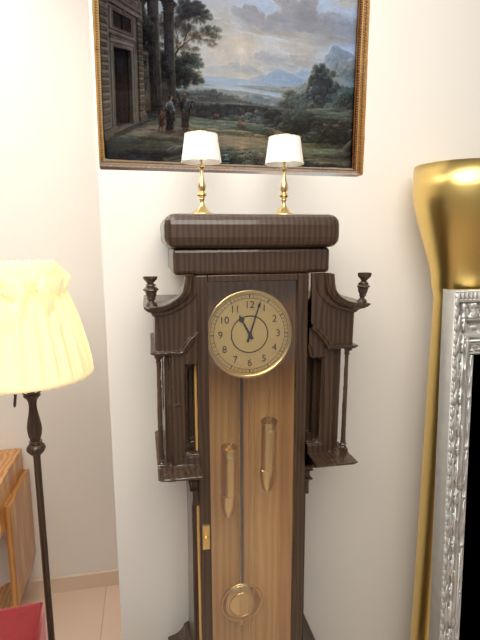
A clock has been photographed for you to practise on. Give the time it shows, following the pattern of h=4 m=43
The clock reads h=11 m=3
